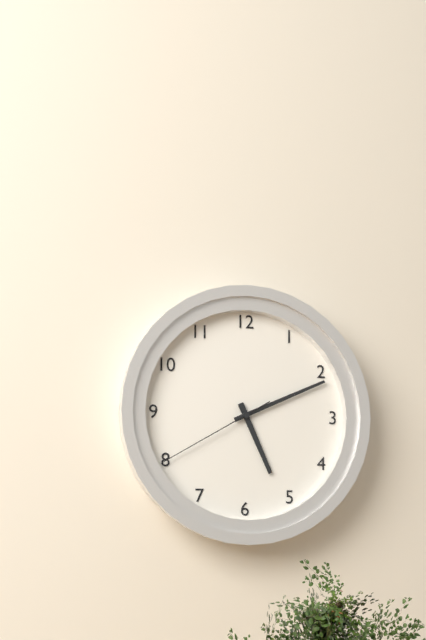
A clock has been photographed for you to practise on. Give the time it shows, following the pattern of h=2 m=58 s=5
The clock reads h=5 m=11 s=40
